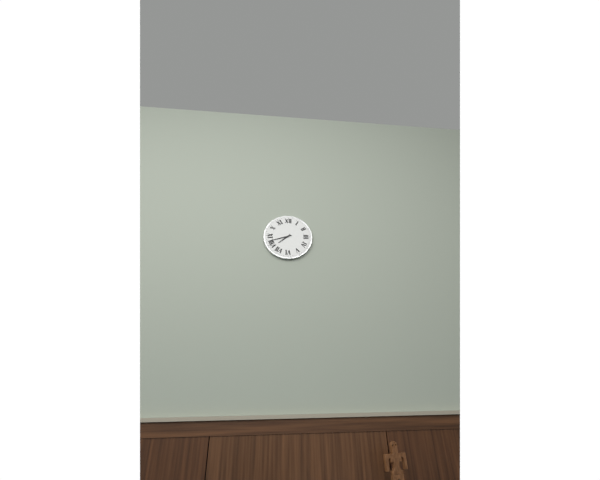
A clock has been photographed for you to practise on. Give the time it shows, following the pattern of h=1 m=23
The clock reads h=7 m=42
